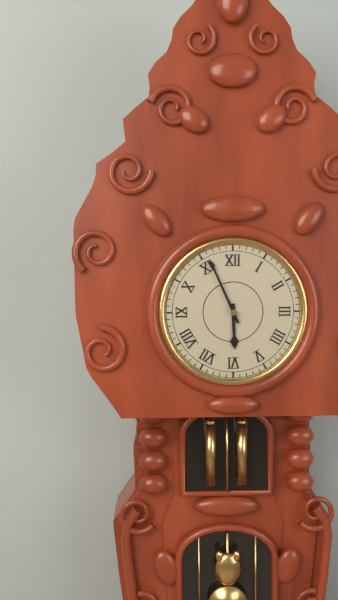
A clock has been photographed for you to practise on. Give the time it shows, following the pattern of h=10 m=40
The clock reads h=5 m=56
